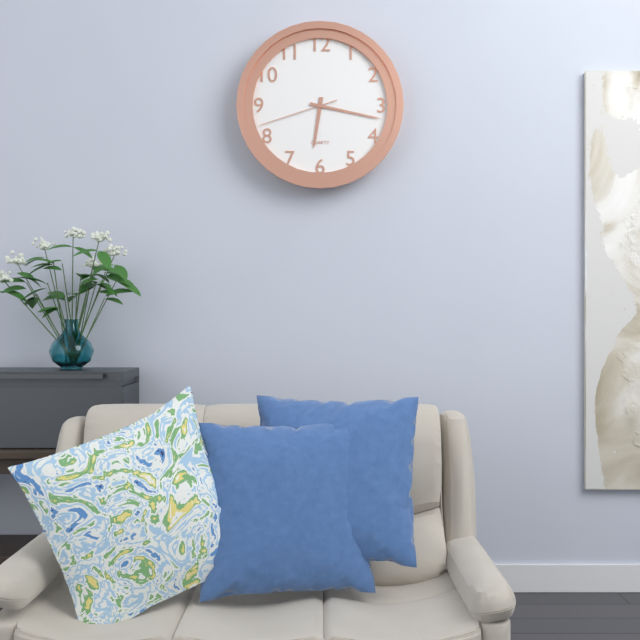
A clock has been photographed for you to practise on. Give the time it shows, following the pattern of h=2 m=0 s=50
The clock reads h=6 m=17 s=42
